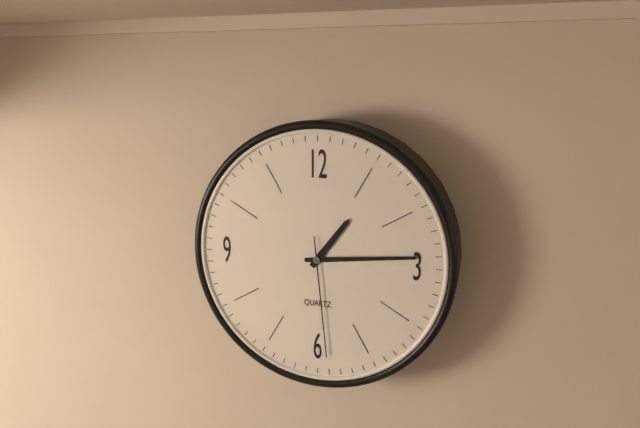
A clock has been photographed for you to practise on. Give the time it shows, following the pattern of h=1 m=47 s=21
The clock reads h=1 m=14 s=29
